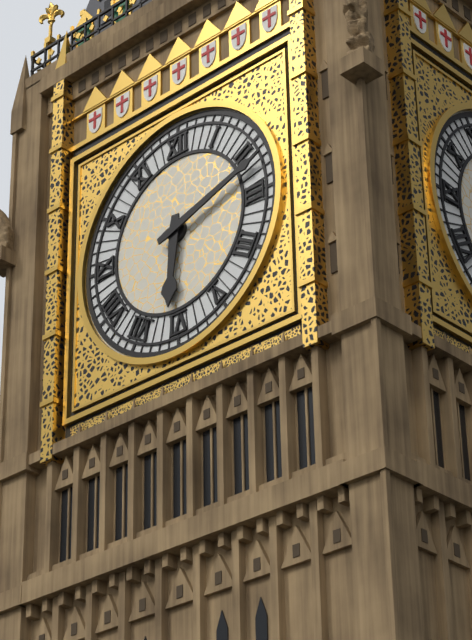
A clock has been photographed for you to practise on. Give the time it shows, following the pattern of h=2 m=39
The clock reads h=6 m=12
